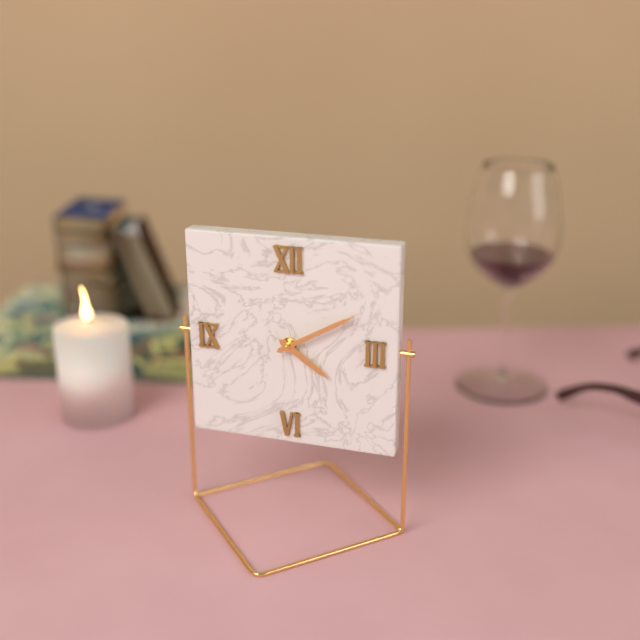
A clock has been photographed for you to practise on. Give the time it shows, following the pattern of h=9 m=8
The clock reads h=4 m=10
